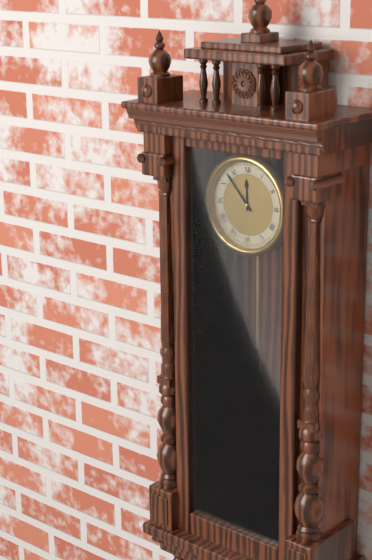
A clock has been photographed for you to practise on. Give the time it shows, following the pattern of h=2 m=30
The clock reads h=11 m=53
